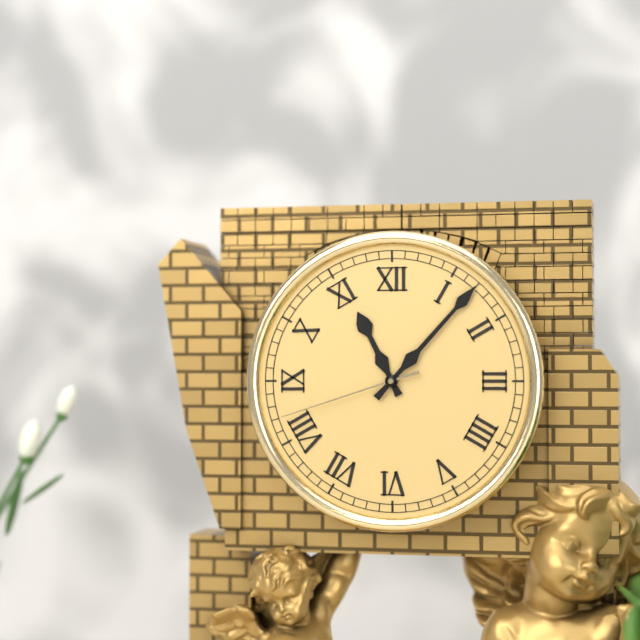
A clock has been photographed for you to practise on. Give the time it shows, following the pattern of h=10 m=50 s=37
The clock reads h=11 m=7 s=42
